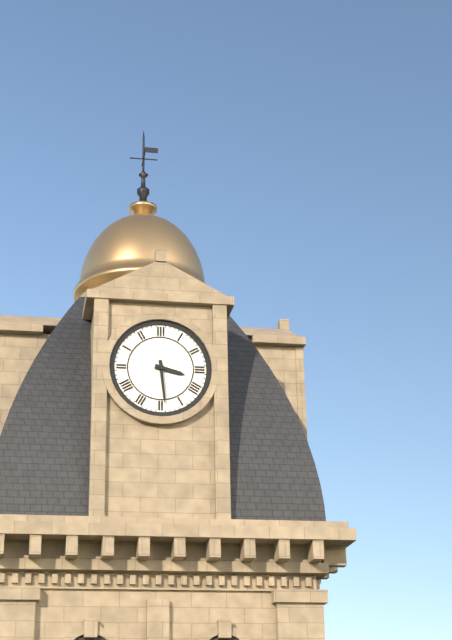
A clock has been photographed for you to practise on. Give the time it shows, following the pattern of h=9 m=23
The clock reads h=3 m=29
